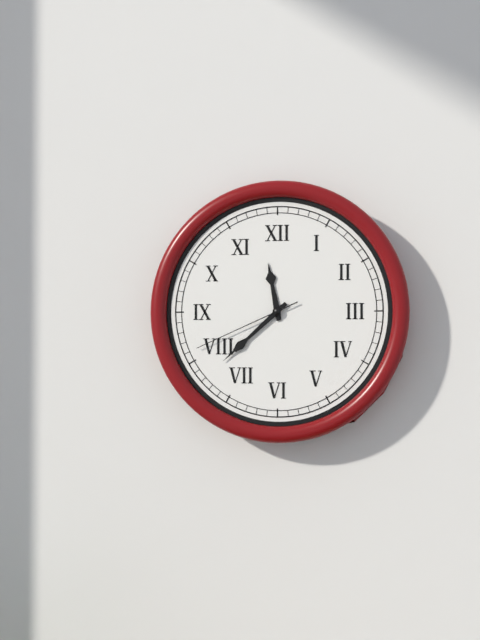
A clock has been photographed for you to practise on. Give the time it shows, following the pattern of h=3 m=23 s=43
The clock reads h=11 m=38 s=41
